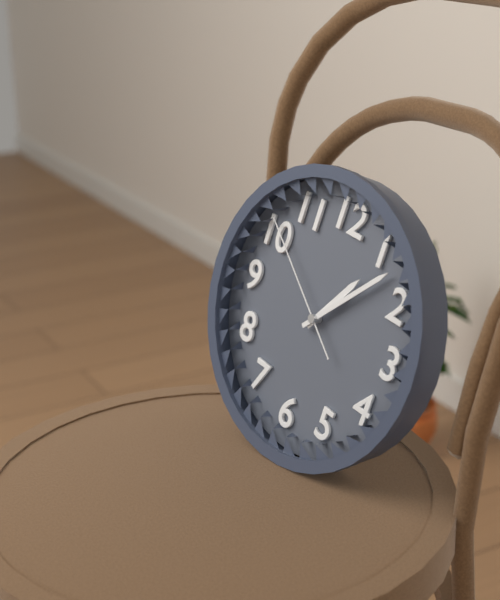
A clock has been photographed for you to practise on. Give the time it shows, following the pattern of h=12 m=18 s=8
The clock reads h=1 m=7 s=51
